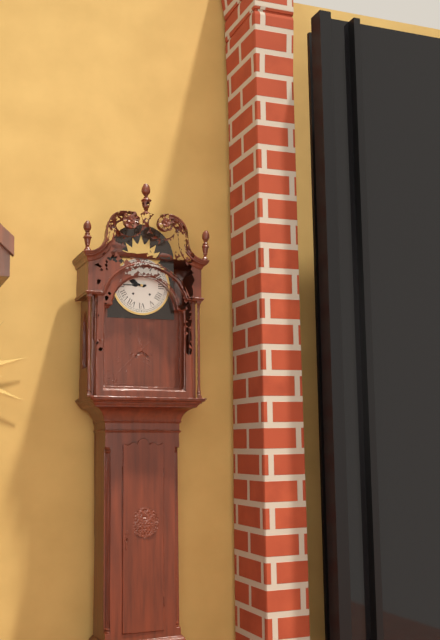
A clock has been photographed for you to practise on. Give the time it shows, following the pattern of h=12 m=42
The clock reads h=9 m=45
